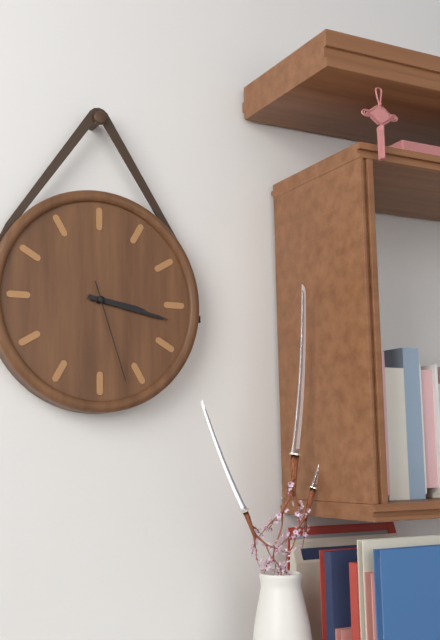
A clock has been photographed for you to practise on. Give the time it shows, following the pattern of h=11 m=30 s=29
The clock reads h=3 m=17 s=27
